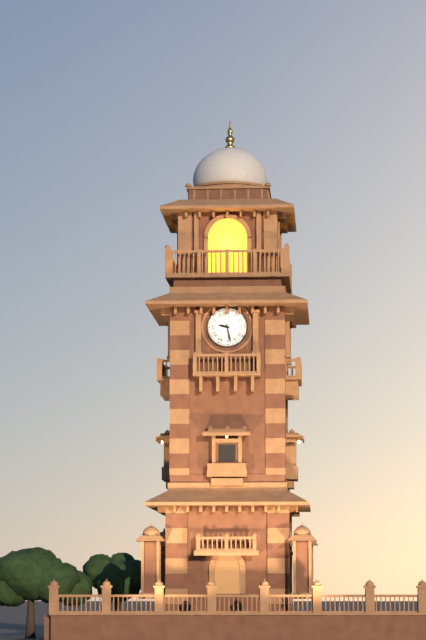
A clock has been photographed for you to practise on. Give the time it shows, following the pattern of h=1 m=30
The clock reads h=9 m=28
